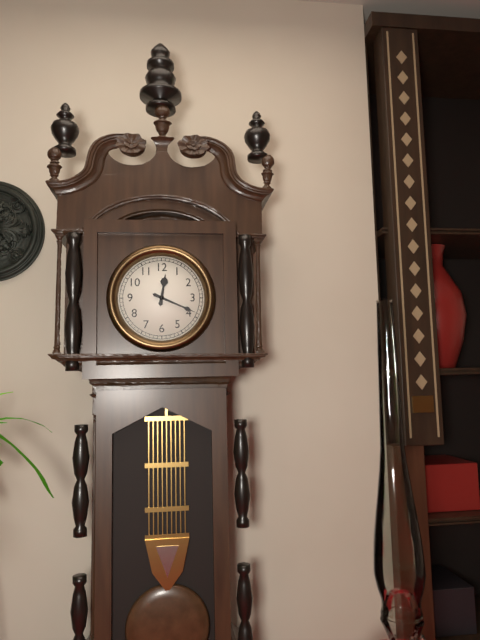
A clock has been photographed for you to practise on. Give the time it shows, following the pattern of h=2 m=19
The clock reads h=12 m=19
